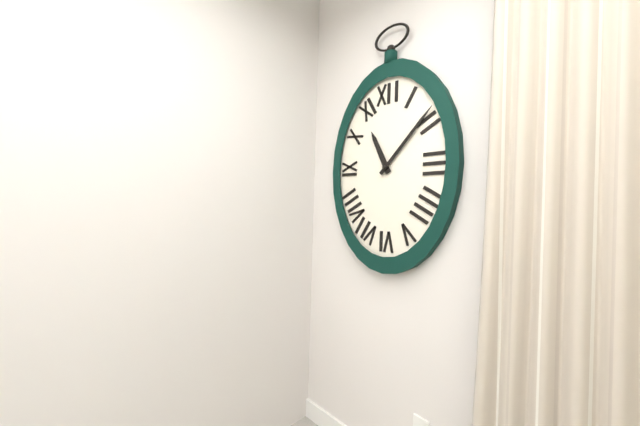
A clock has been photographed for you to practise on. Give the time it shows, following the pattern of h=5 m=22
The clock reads h=11 m=7
